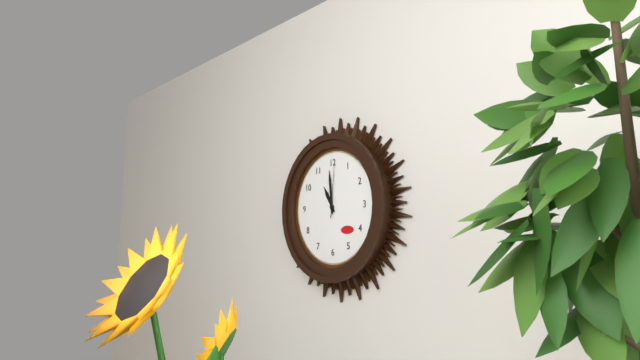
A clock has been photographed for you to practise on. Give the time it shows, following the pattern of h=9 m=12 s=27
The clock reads h=10 m=59 s=1
